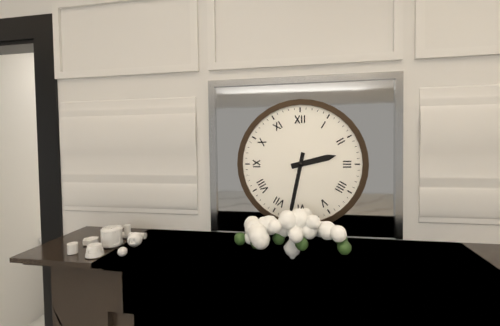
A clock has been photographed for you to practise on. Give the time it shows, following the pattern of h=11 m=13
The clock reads h=2 m=32
